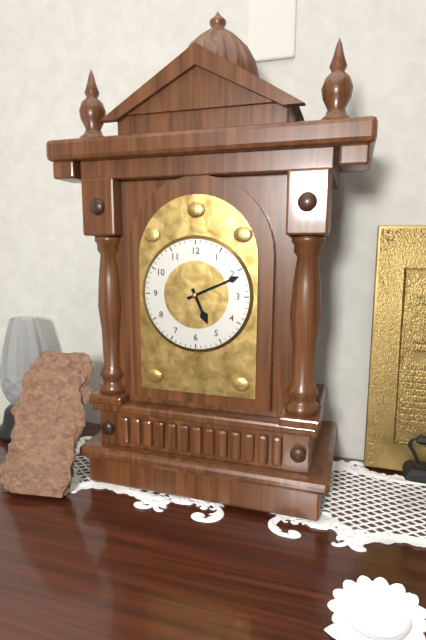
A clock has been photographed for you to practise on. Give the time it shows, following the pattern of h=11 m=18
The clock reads h=5 m=11
